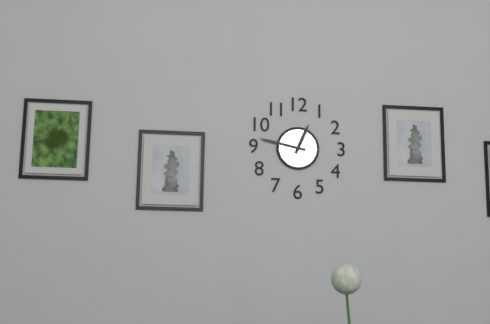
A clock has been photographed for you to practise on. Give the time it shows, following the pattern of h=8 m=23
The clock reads h=12 m=47
